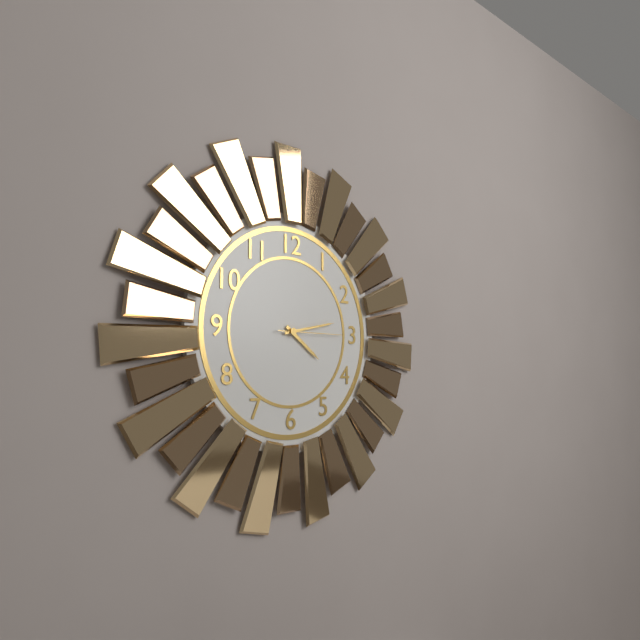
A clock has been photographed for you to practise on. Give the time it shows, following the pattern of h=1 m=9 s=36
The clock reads h=4 m=13 s=15
